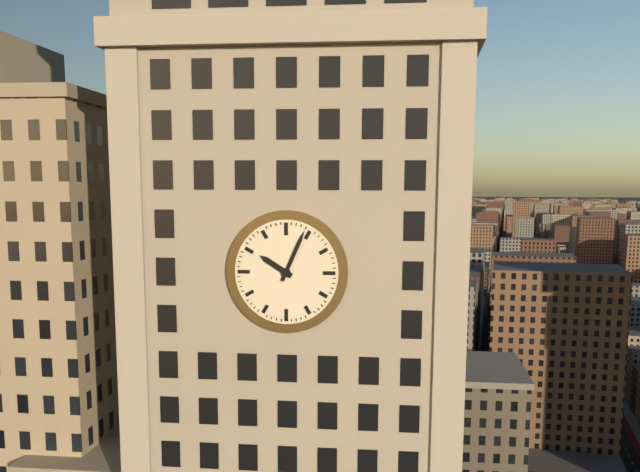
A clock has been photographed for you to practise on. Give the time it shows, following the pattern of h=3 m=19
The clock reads h=10 m=4
